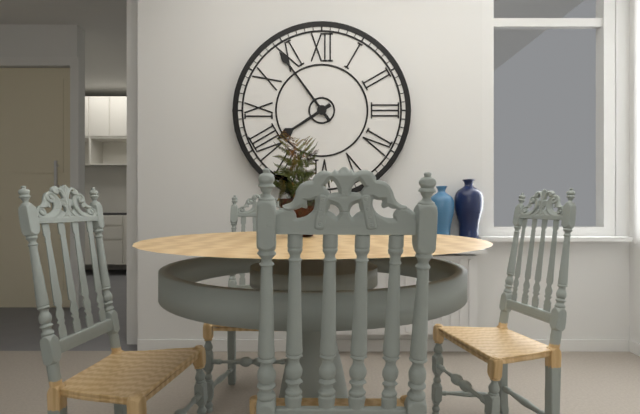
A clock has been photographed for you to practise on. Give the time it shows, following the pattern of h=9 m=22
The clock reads h=7 m=54
